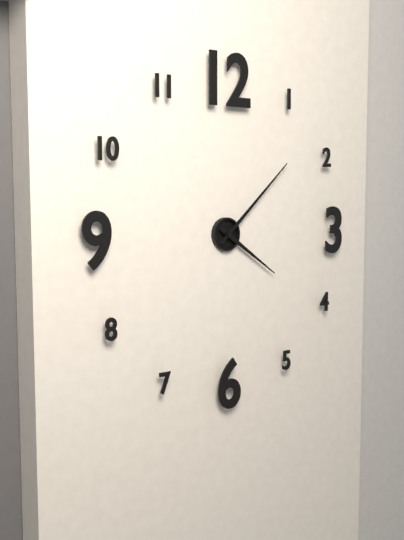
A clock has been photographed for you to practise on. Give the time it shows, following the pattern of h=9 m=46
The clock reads h=4 m=8
